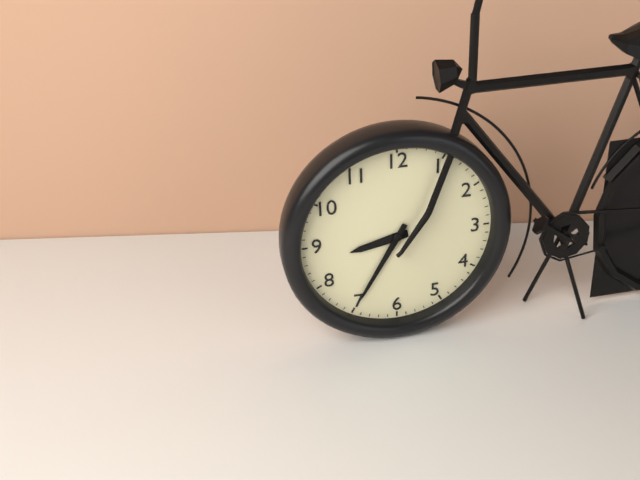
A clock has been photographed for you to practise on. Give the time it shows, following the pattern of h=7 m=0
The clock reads h=8 m=35
